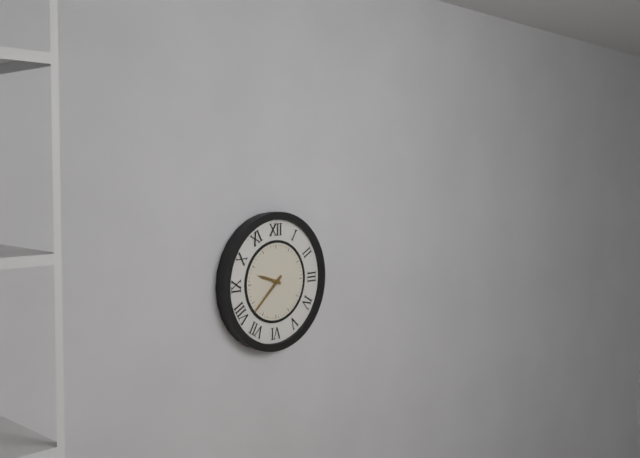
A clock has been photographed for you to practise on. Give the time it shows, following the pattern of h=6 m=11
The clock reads h=9 m=38
